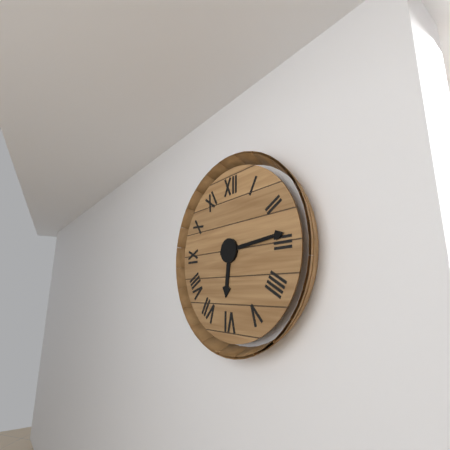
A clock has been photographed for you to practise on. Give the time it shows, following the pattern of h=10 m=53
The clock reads h=6 m=14
